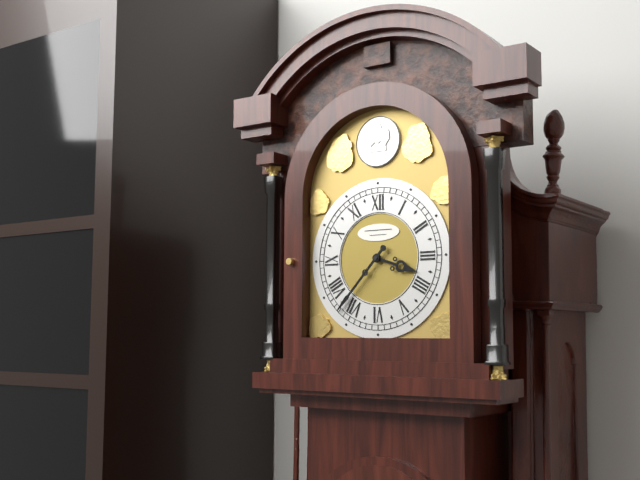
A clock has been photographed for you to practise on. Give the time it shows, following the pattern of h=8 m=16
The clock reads h=3 m=37
